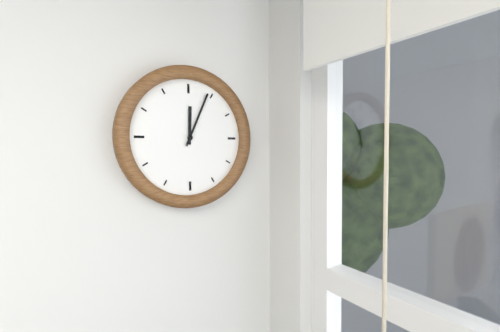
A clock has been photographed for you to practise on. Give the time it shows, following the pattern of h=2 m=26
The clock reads h=12 m=4
